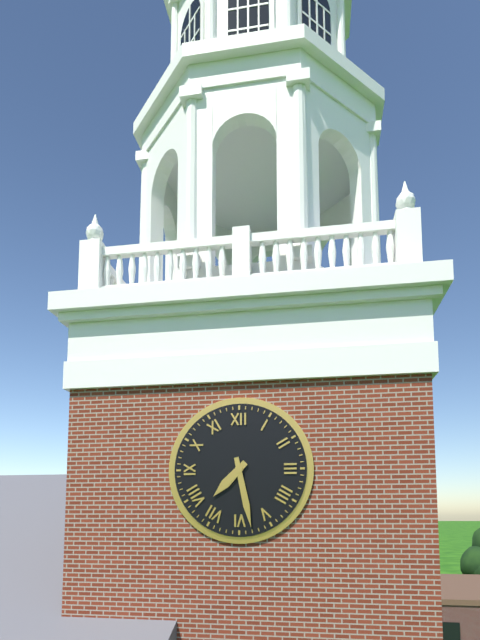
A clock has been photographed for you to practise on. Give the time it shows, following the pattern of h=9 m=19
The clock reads h=7 m=28
